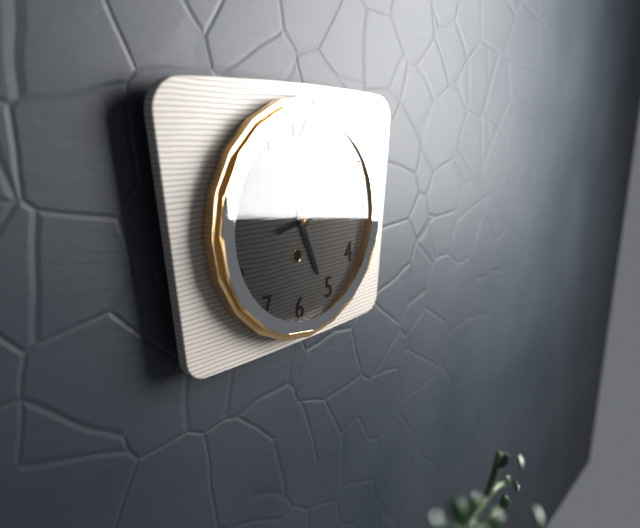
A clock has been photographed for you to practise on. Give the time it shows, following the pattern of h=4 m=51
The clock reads h=5 m=13
